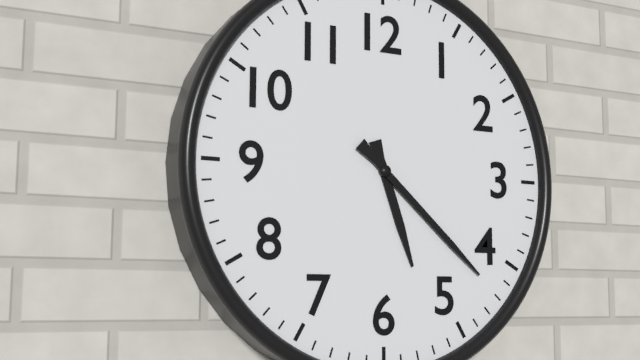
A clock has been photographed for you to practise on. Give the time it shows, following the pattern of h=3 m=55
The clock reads h=5 m=22
